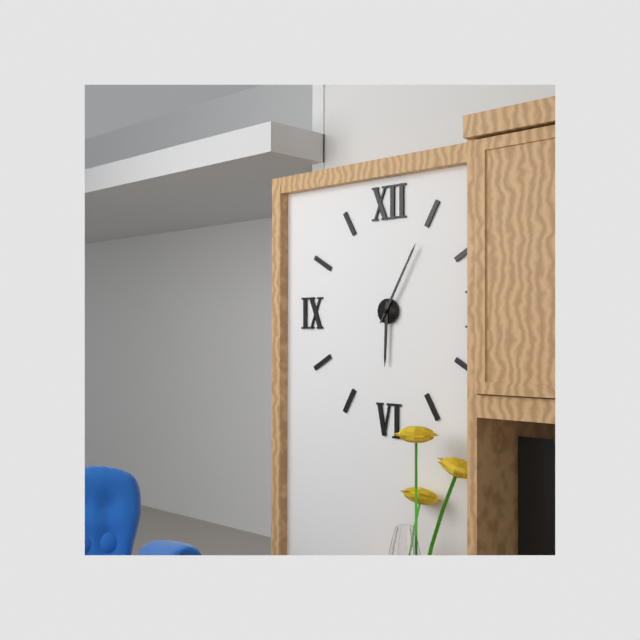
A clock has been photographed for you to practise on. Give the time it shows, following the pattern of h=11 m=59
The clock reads h=6 m=5
